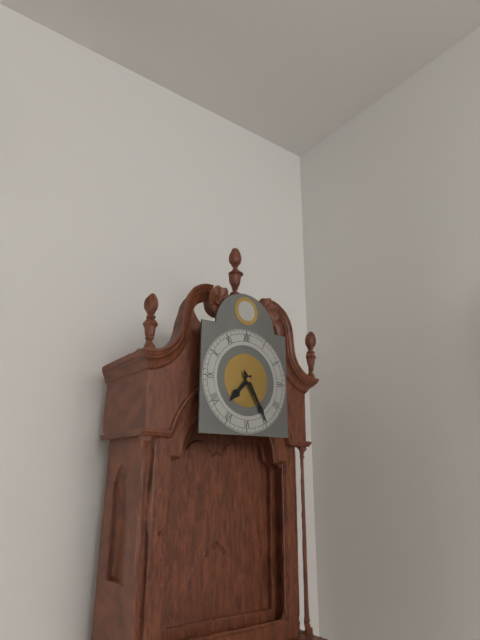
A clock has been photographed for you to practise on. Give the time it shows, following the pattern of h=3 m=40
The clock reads h=7 m=25
